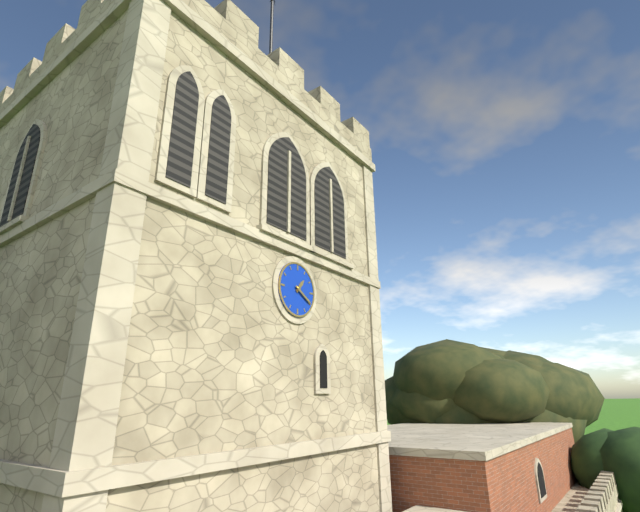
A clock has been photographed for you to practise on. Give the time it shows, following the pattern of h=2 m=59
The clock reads h=1 m=20
